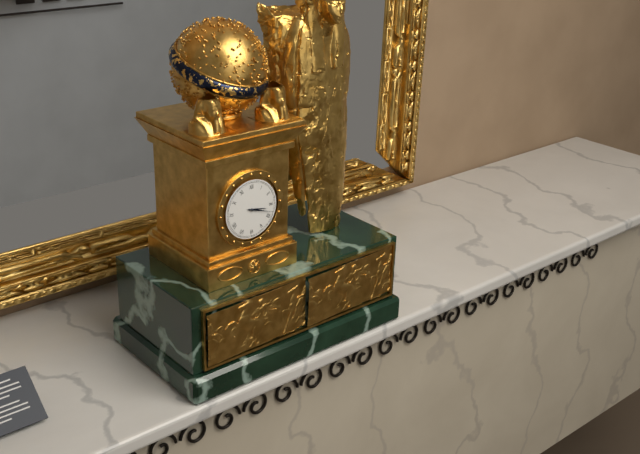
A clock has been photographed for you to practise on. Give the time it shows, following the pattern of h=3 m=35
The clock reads h=3 m=18
